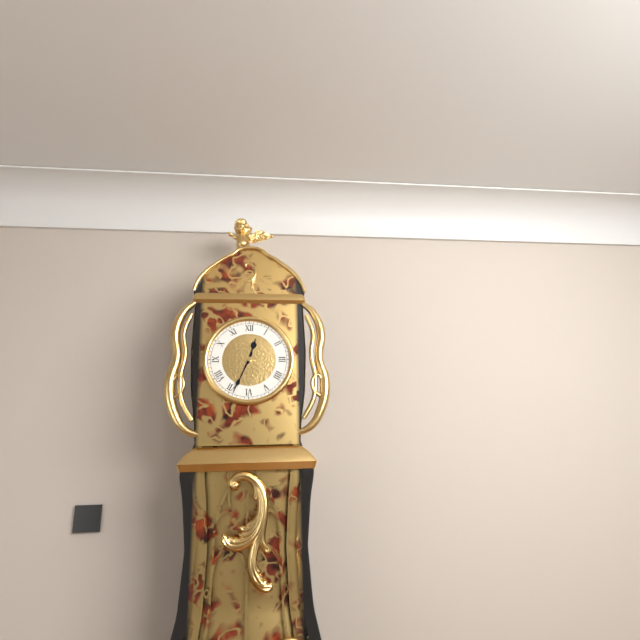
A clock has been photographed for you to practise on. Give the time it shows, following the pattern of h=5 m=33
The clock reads h=12 m=34
